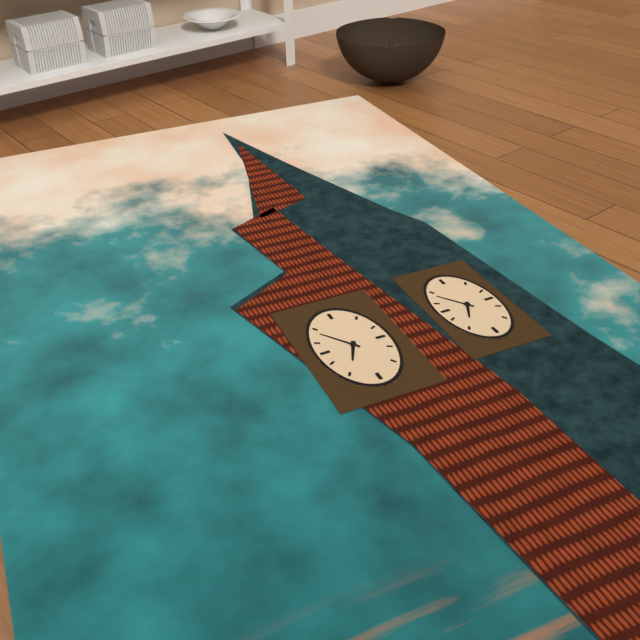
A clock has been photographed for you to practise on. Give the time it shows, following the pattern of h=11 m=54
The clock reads h=6 m=54
